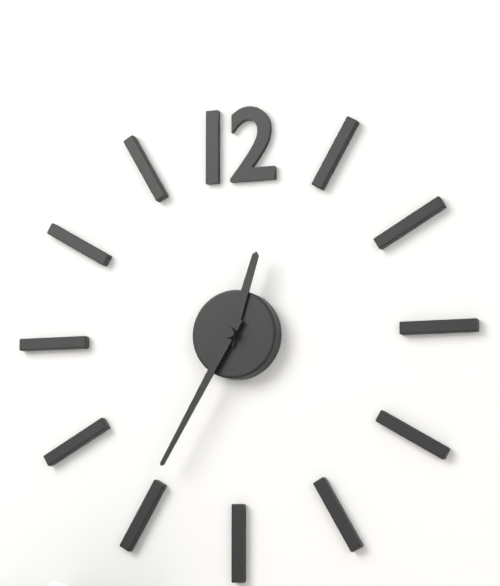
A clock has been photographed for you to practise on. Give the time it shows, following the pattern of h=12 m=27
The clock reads h=12 m=35
